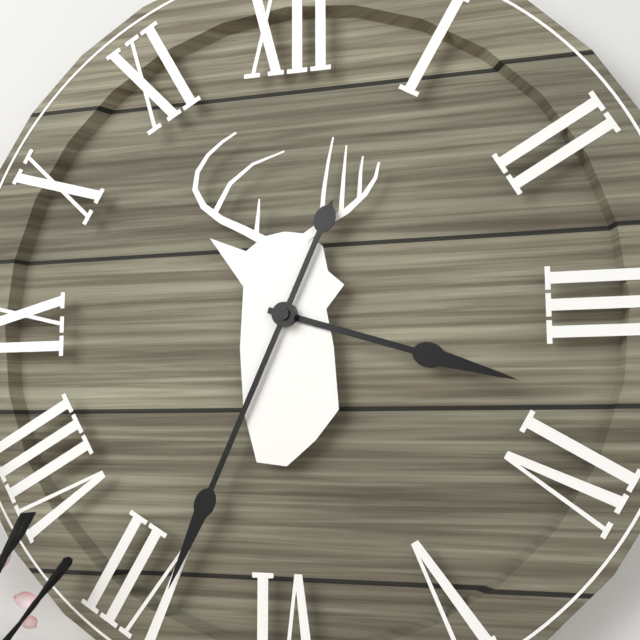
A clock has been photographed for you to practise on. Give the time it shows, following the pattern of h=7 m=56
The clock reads h=3 m=34
